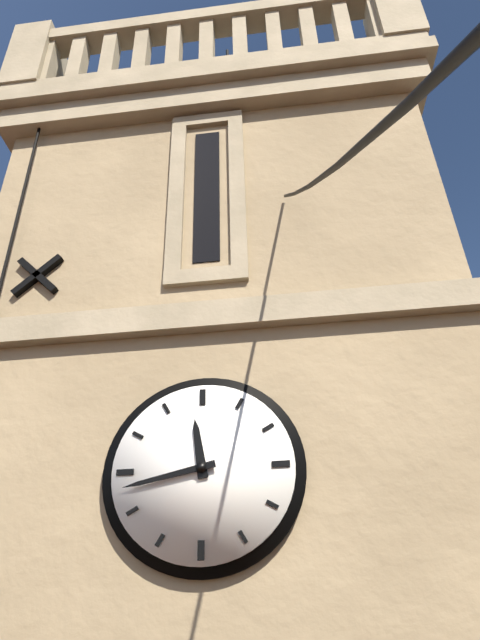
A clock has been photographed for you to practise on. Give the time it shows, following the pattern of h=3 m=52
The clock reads h=11 m=43
